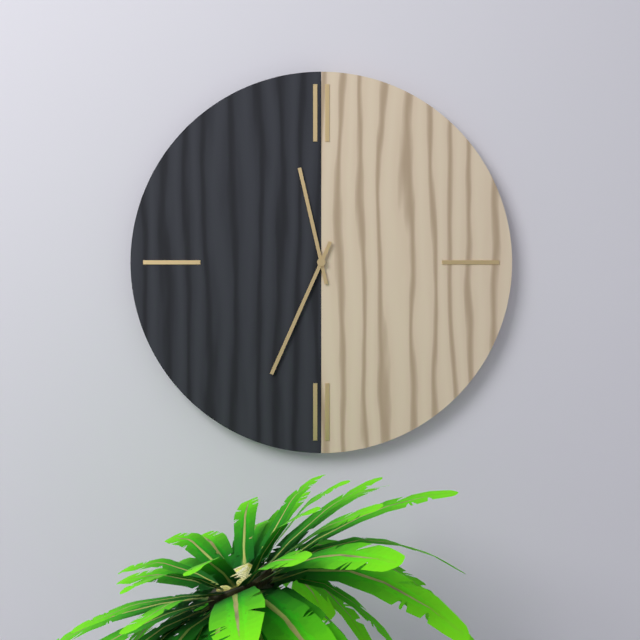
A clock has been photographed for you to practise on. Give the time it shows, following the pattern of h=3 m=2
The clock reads h=11 m=34
